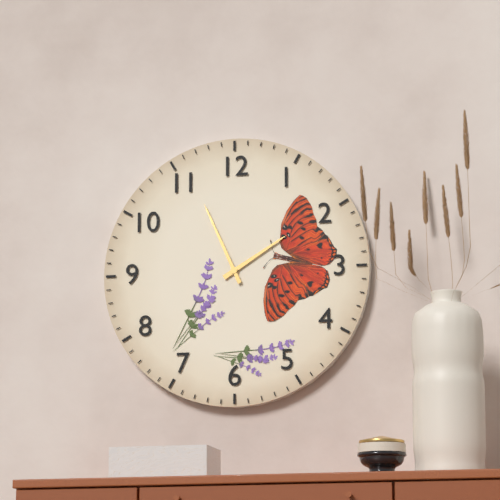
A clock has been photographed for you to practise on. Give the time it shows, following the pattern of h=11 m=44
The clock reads h=1 m=56
